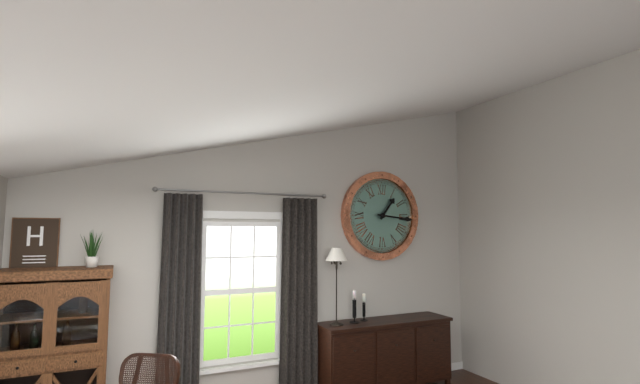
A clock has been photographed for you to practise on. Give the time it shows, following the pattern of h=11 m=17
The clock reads h=1 m=16
